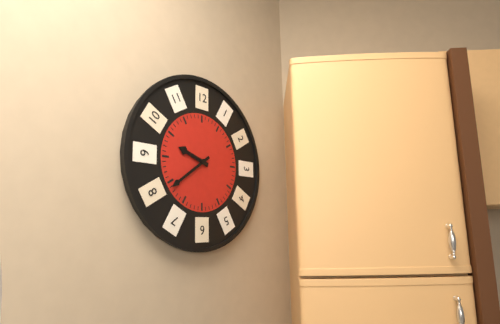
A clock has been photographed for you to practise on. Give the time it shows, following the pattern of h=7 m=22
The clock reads h=9 m=39
